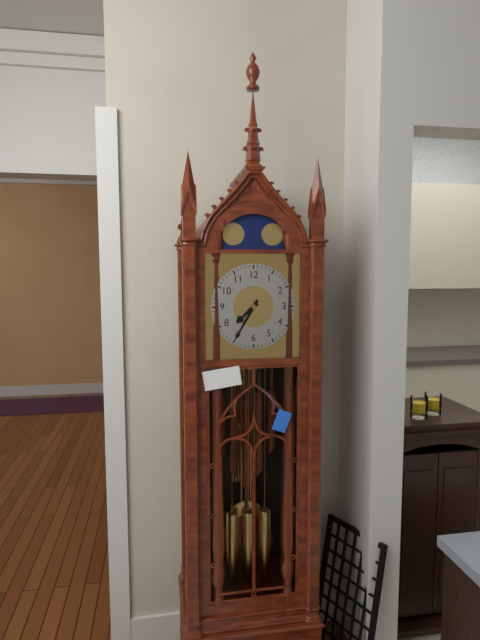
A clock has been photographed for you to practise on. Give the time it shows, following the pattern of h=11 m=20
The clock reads h=7 m=35
